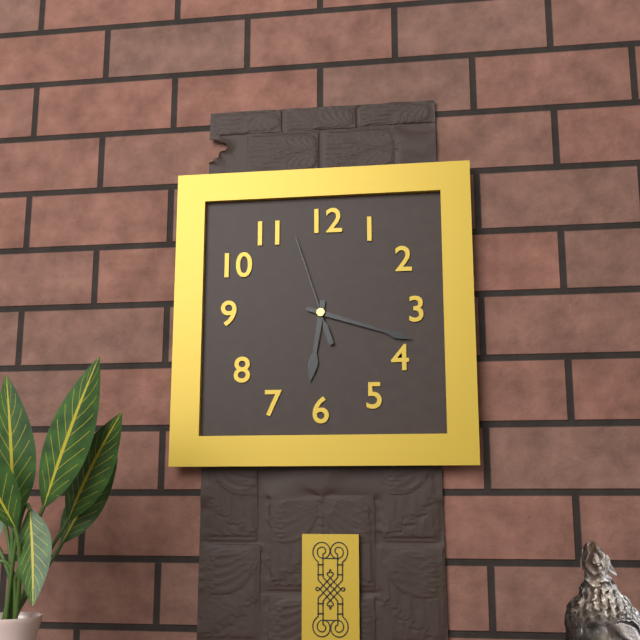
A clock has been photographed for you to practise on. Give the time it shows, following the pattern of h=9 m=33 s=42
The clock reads h=6 m=18 s=57
